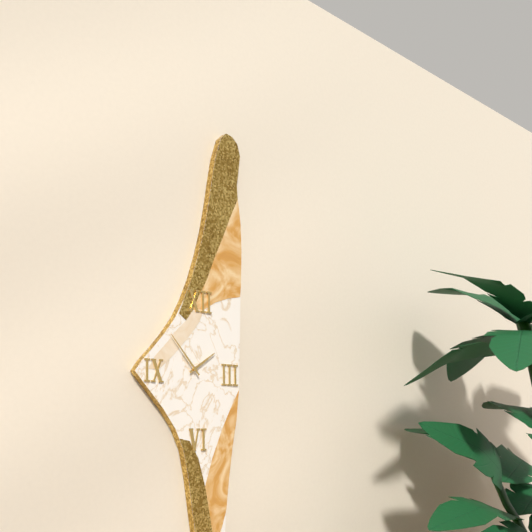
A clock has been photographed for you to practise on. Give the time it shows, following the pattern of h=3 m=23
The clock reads h=1 m=53
